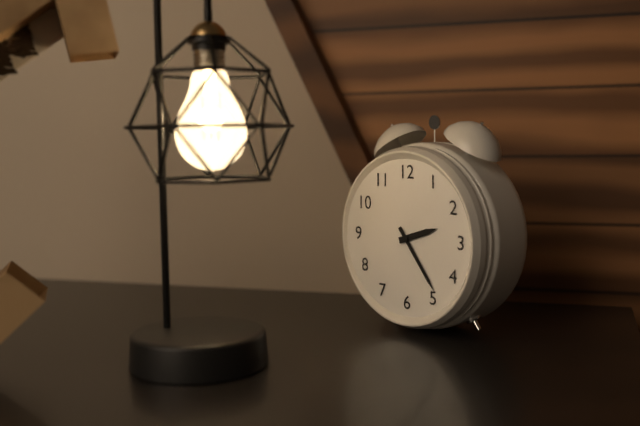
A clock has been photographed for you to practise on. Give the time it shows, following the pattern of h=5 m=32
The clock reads h=2 m=24
